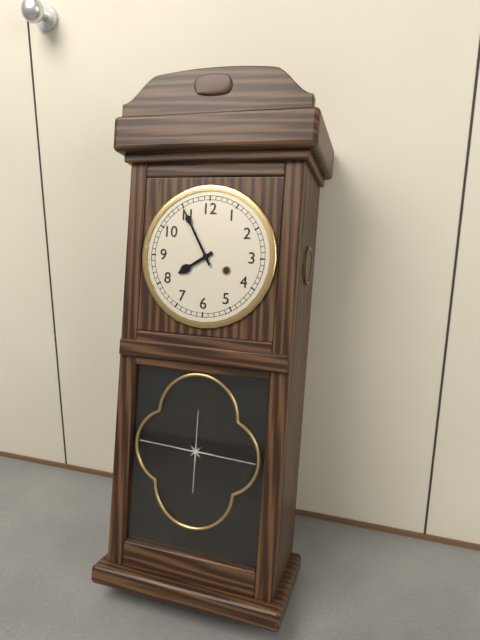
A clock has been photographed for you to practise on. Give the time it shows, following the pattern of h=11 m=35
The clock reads h=7 m=55
